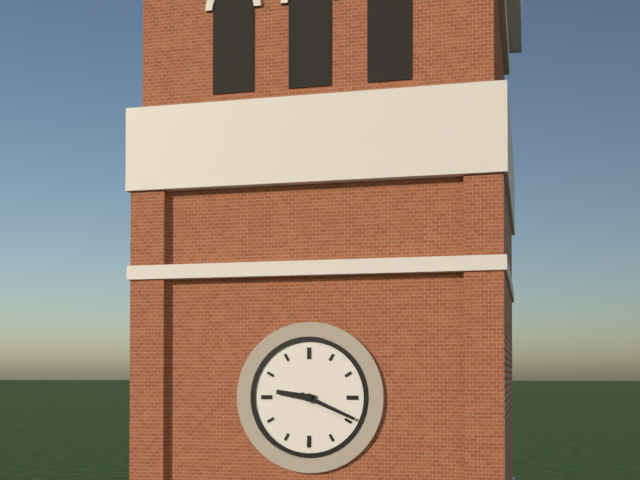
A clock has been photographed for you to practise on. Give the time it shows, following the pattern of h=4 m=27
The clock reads h=9 m=19
